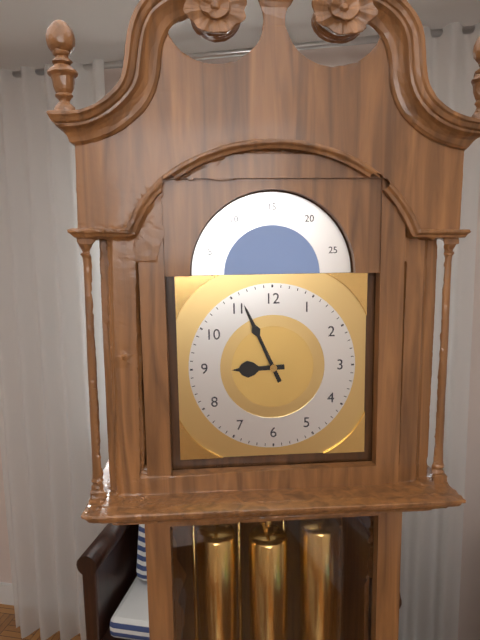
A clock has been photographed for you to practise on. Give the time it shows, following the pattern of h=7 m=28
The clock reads h=8 m=56
